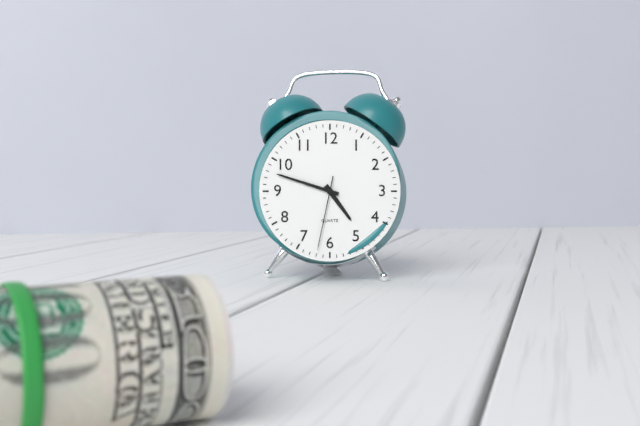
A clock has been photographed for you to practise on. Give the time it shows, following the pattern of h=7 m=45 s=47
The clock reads h=4 m=48 s=32
